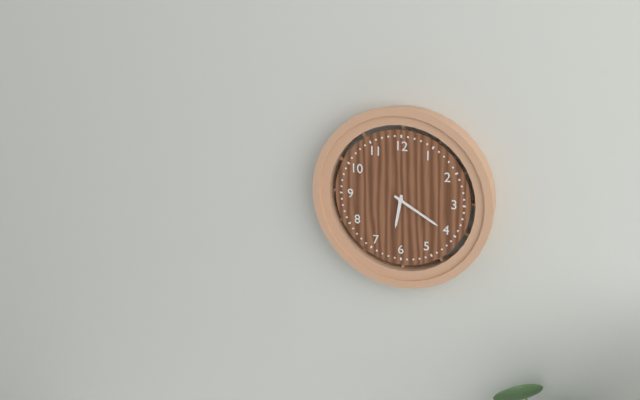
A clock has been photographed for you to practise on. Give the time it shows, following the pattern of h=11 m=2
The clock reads h=6 m=20
